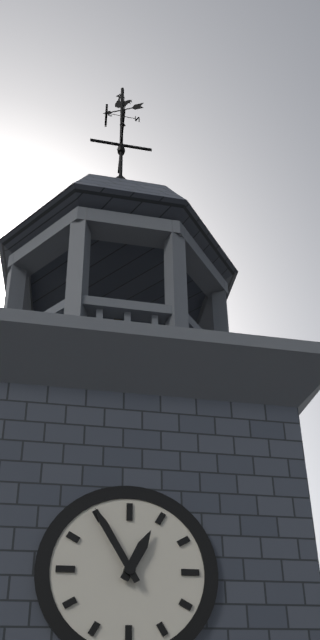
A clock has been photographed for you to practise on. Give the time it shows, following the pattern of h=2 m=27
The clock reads h=12 m=55
